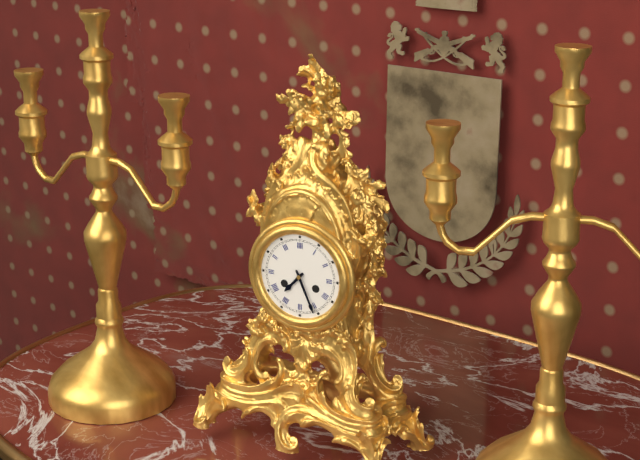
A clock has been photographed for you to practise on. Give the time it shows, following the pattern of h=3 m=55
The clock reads h=7 m=26
